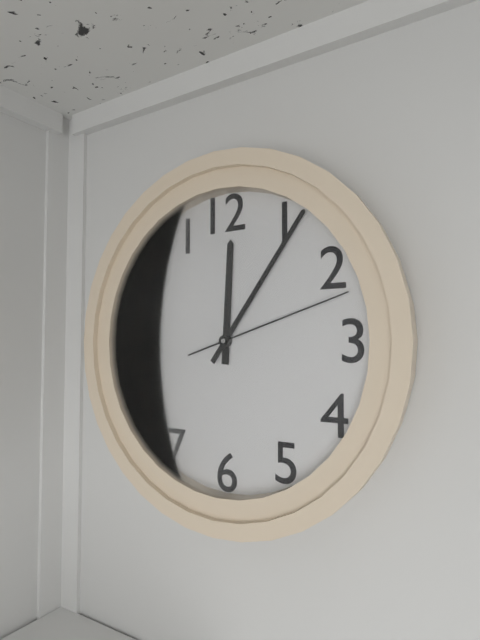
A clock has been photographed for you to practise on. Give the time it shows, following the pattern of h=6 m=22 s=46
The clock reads h=12 m=6 s=12
